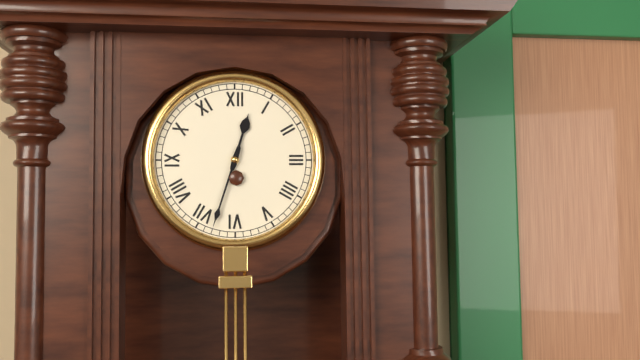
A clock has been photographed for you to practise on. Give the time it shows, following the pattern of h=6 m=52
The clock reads h=12 m=33
